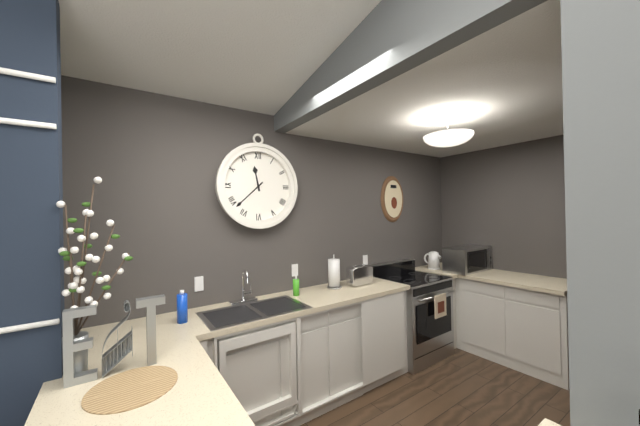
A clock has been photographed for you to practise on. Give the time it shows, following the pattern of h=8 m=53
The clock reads h=11 m=38
